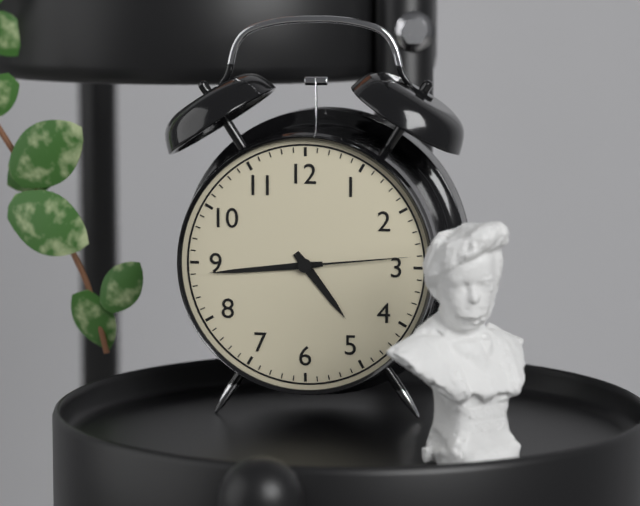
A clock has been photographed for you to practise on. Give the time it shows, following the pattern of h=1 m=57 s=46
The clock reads h=4 m=44 s=14
